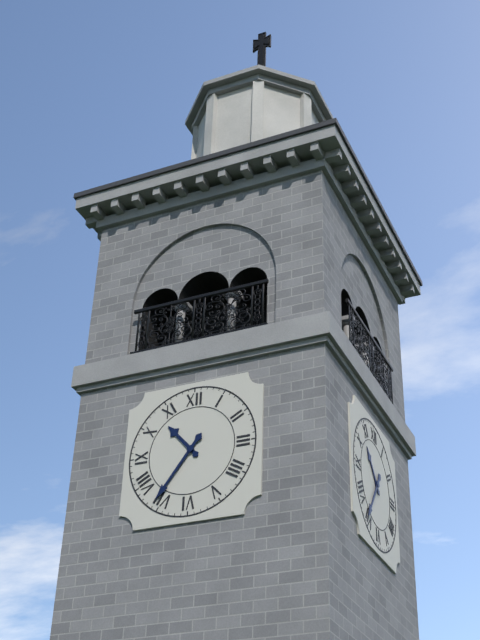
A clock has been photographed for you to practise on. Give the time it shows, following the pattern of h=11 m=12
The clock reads h=10 m=36
